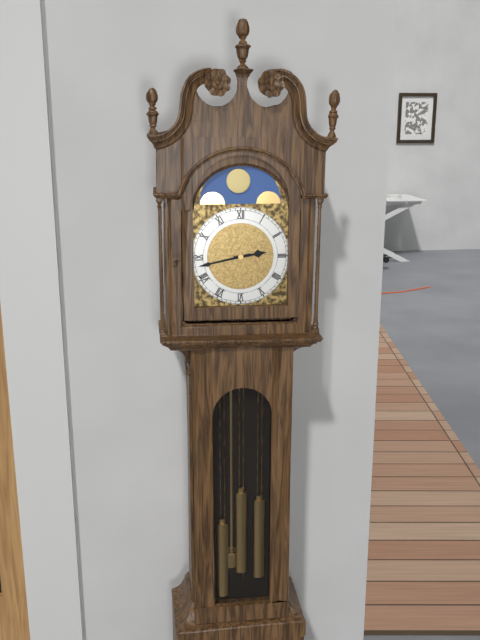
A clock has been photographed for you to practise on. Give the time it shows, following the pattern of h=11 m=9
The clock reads h=2 m=43
